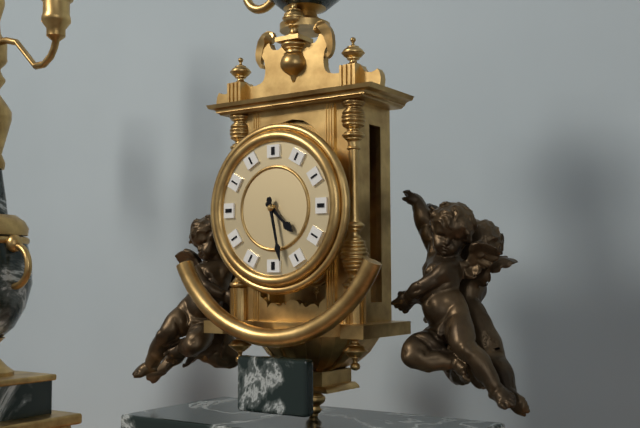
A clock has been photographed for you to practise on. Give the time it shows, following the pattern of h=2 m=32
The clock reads h=4 m=28
